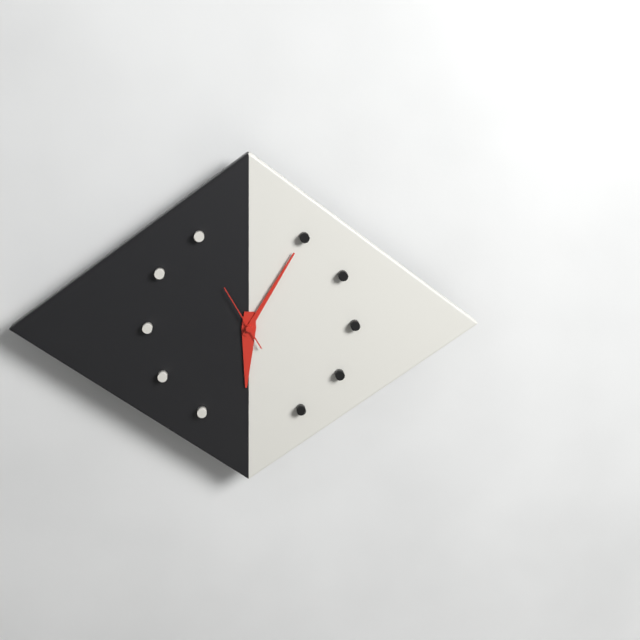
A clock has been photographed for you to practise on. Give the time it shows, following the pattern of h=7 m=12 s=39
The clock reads h=6 m=5 s=55
